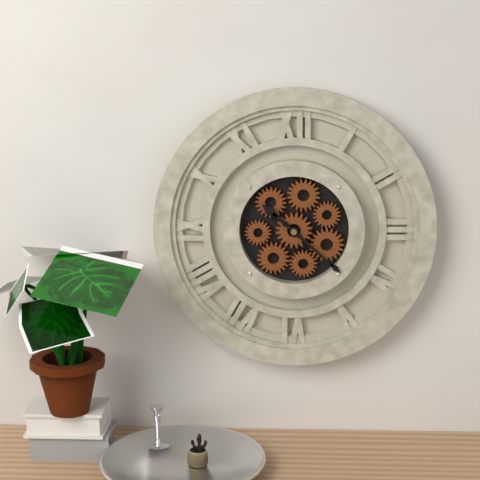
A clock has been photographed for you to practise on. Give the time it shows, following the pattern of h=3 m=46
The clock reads h=10 m=22
